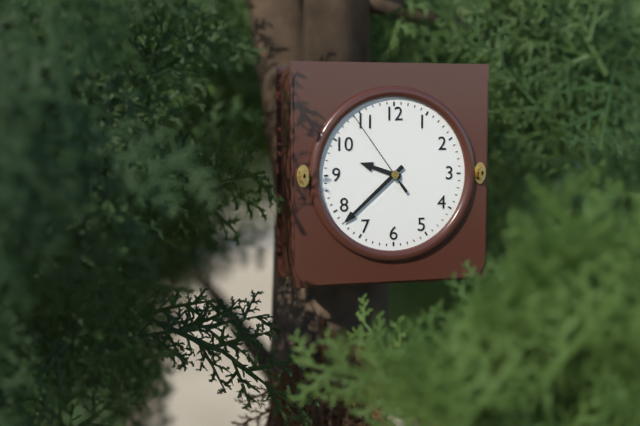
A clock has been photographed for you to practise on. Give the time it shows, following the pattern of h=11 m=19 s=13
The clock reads h=9 m=38 s=54
